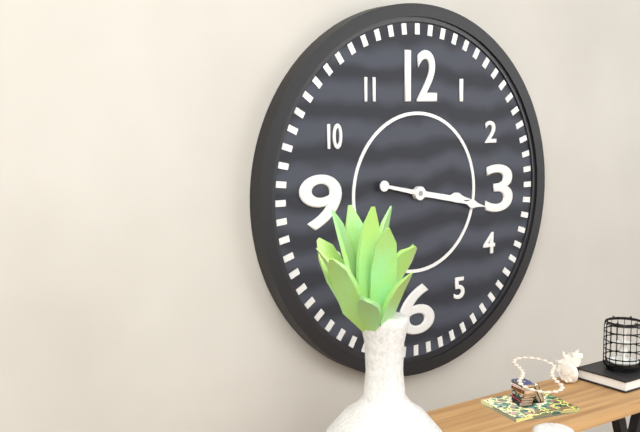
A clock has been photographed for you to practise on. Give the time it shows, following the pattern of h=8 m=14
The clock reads h=3 m=17
